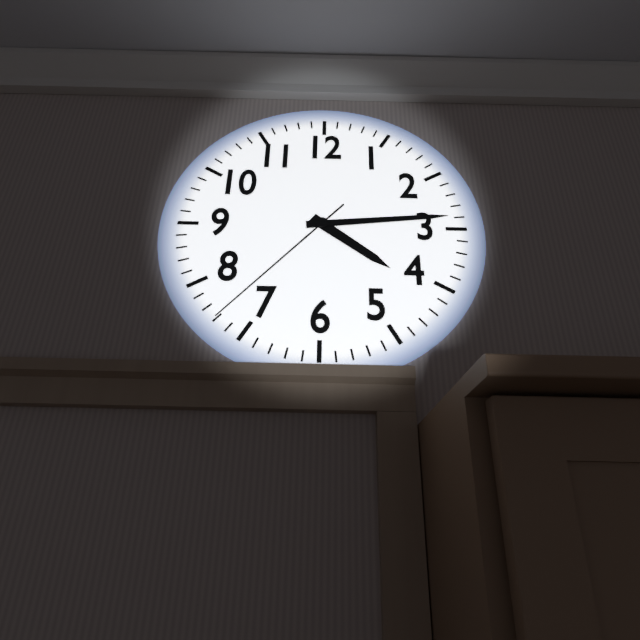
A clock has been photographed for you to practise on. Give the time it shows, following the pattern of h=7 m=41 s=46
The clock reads h=4 m=14 s=37
